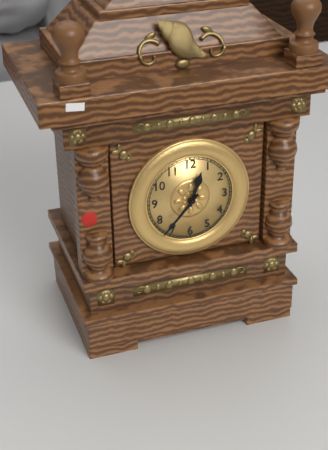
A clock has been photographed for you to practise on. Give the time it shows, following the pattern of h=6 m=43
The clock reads h=12 m=37
